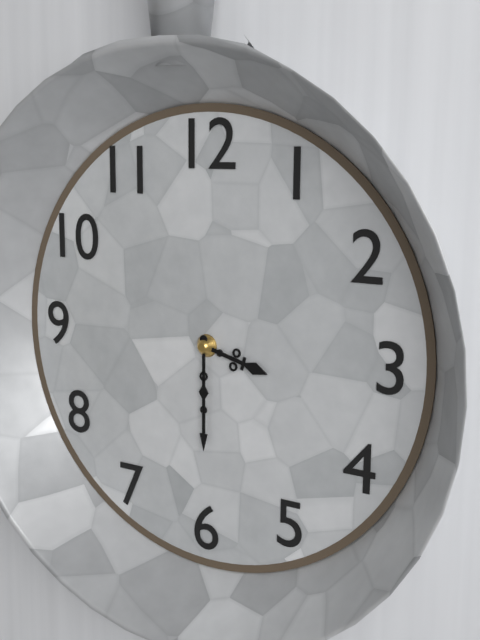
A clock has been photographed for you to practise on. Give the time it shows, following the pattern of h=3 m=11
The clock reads h=3 m=30
